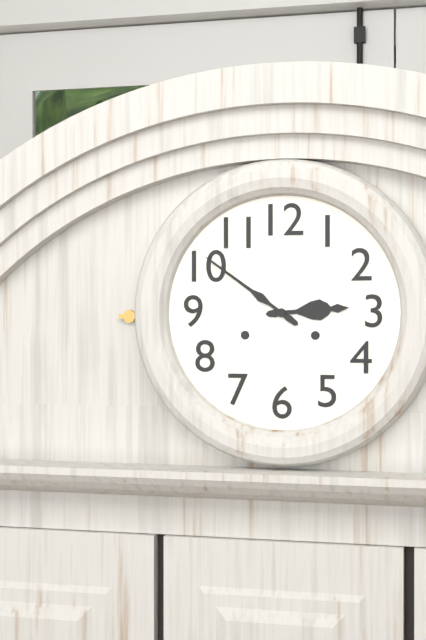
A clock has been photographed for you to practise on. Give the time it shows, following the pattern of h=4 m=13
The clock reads h=2 m=51
